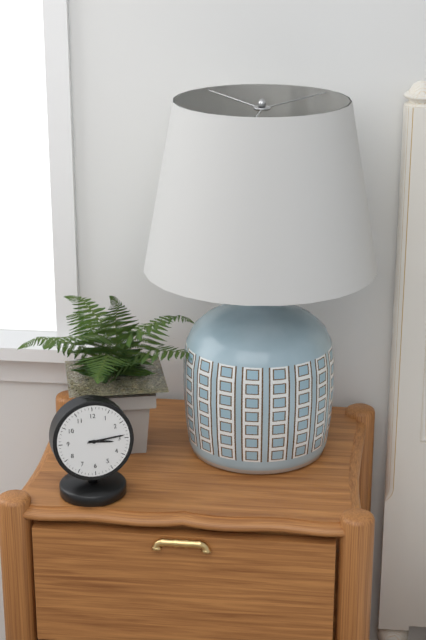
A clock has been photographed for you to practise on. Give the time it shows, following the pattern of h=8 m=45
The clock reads h=3 m=14
